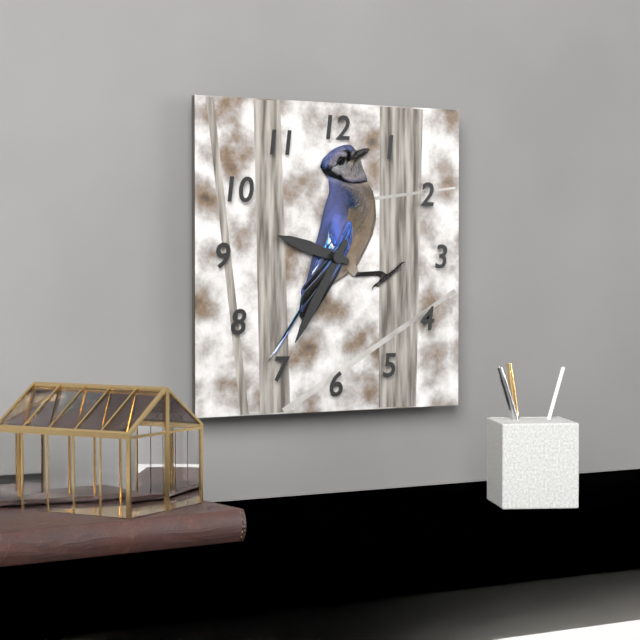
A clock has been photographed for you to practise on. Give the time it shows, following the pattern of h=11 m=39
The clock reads h=9 m=35
